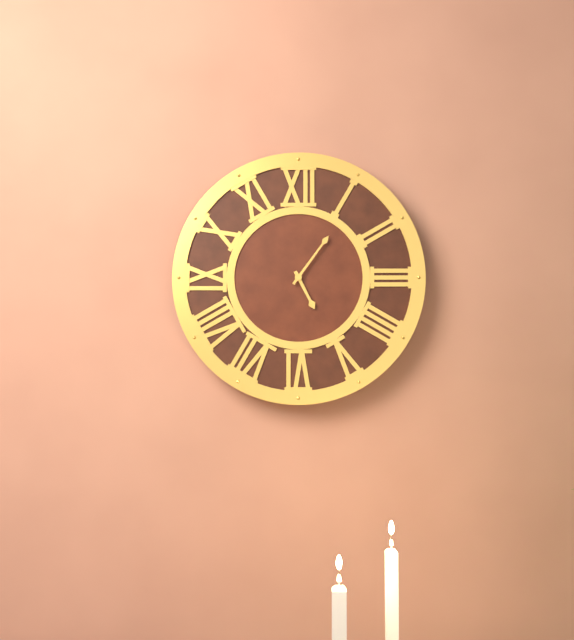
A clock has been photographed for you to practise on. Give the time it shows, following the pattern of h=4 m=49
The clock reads h=5 m=6
